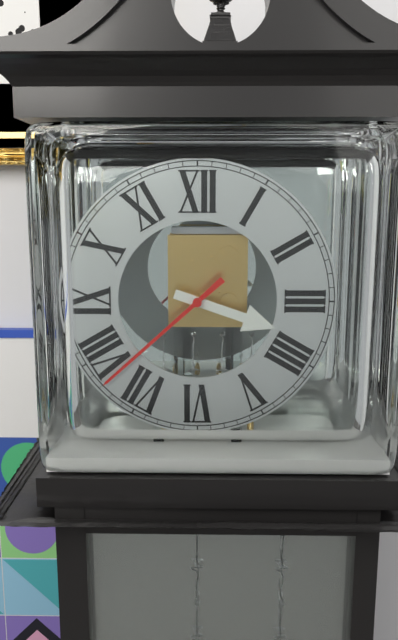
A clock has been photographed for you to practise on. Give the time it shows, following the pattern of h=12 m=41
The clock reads h=3 m=38
